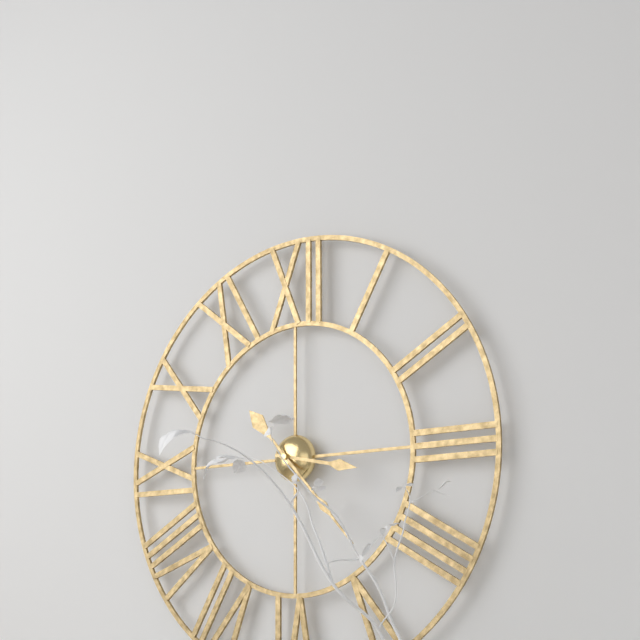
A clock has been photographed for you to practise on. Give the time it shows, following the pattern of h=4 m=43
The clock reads h=3 m=23
